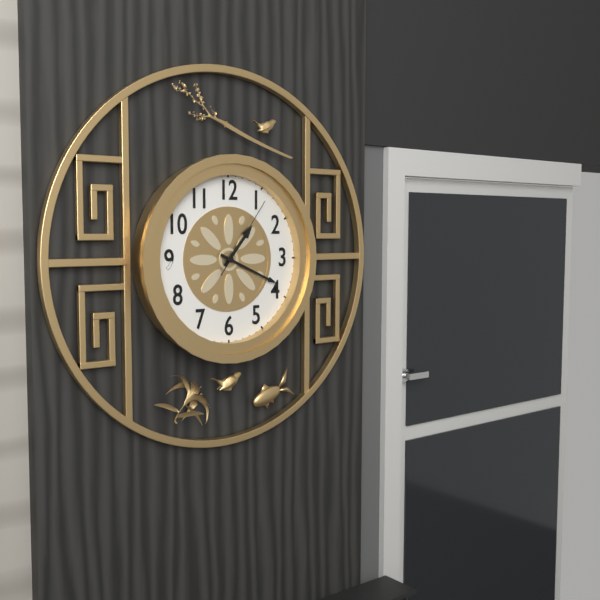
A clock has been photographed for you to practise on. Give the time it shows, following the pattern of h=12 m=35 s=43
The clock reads h=1 m=19 s=6
